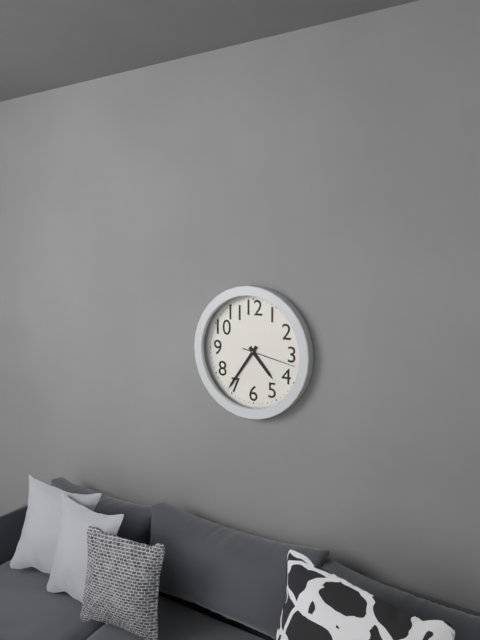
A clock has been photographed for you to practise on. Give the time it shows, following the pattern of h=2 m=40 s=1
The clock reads h=4 m=36 s=17
